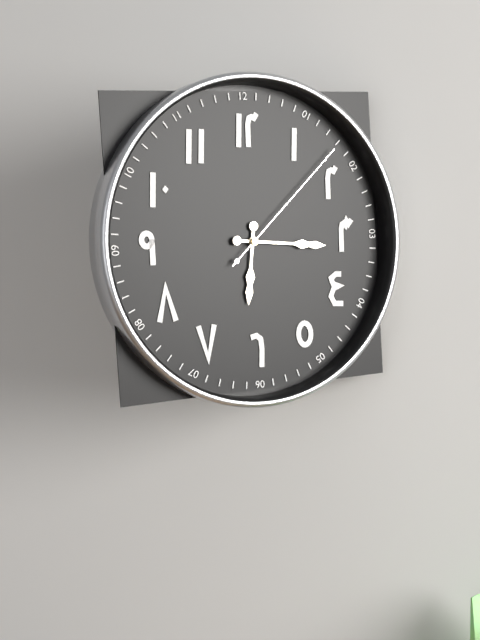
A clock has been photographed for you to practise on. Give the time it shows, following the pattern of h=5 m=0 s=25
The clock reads h=6 m=16 s=8
